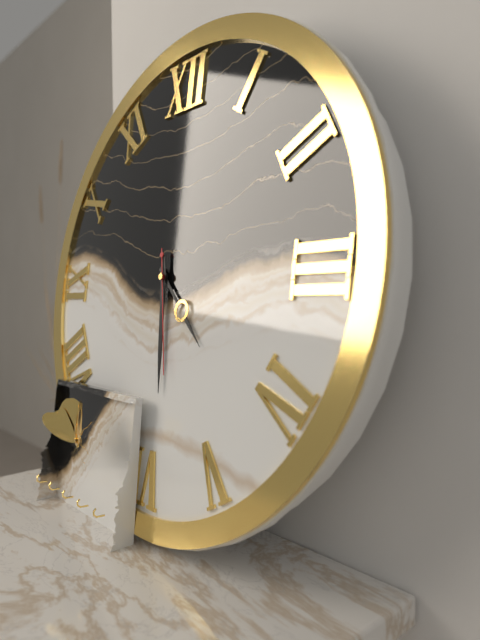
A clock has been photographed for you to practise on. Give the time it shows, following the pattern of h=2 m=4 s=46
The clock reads h=4 m=29 s=28
